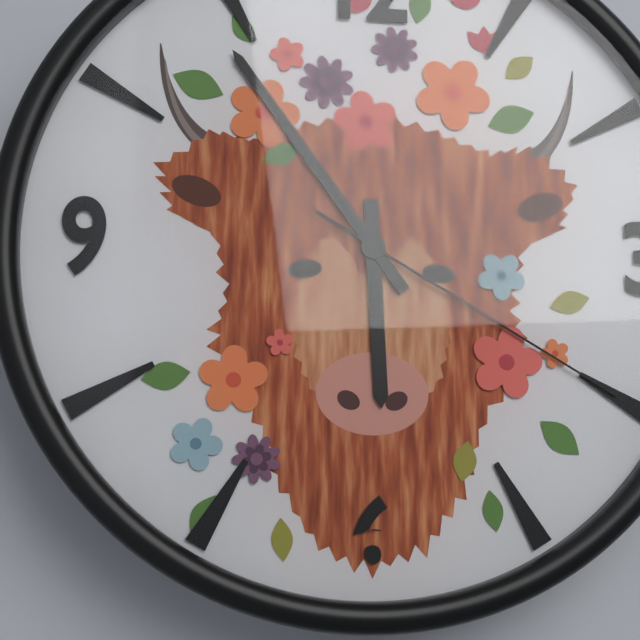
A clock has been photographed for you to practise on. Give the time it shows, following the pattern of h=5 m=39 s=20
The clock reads h=5 m=54 s=20
